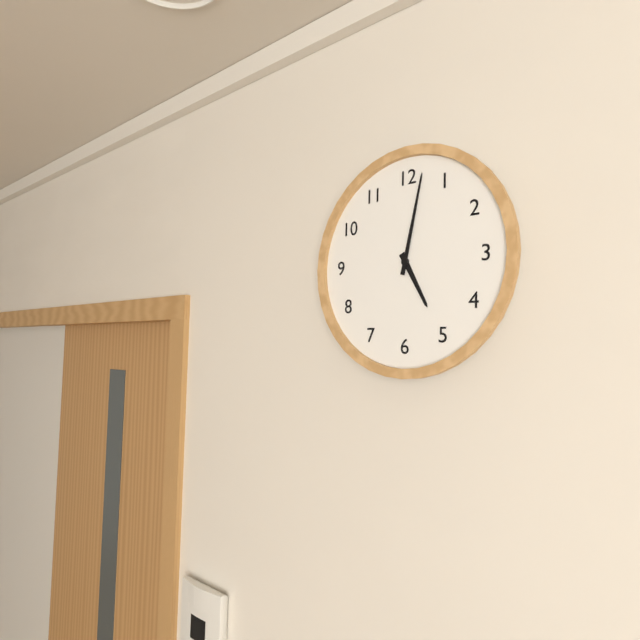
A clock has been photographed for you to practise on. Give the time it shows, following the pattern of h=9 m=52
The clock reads h=5 m=2
